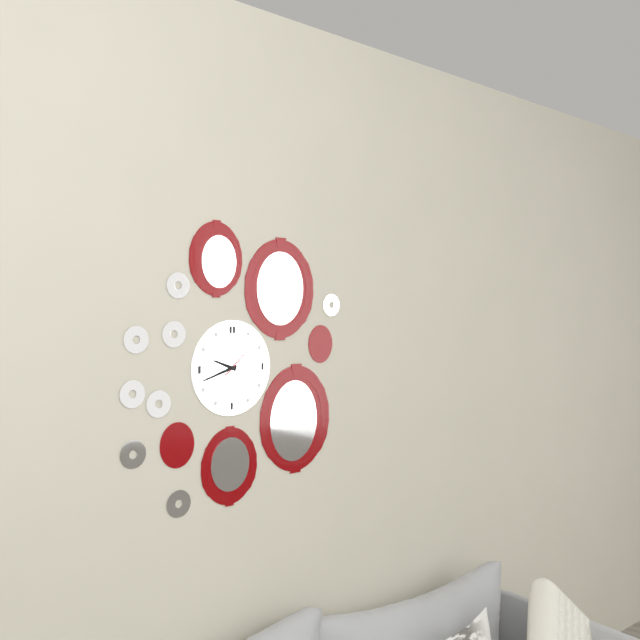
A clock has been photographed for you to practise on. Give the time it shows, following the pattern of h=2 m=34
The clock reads h=9 m=42
